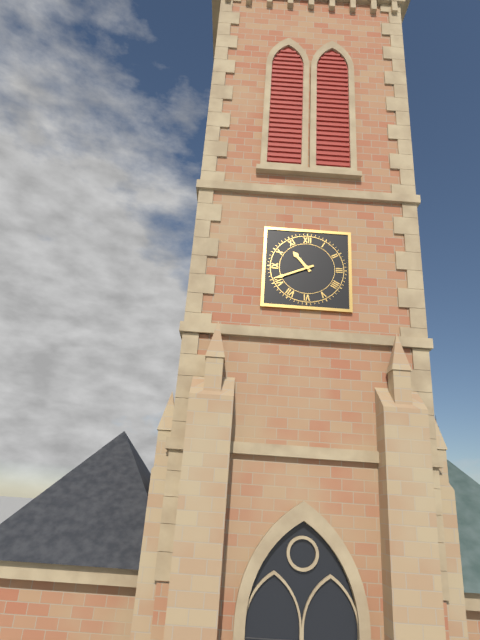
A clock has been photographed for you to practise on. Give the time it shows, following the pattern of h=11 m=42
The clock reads h=10 m=41
